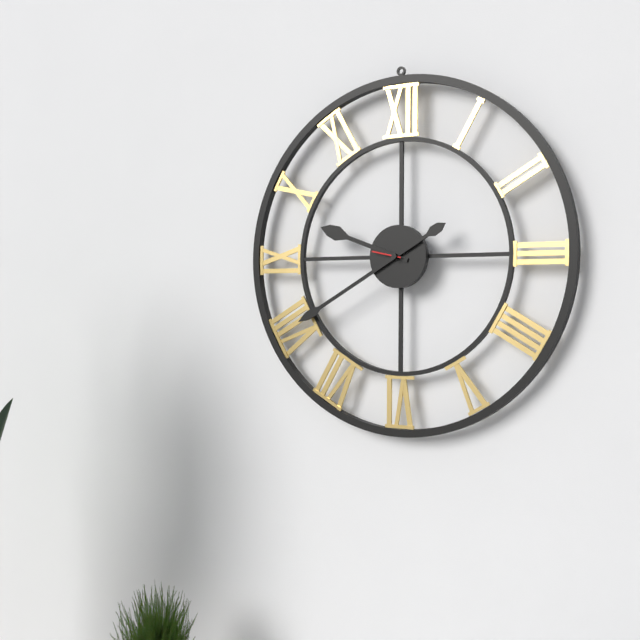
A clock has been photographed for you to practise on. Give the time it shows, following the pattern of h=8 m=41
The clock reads h=9 m=40
